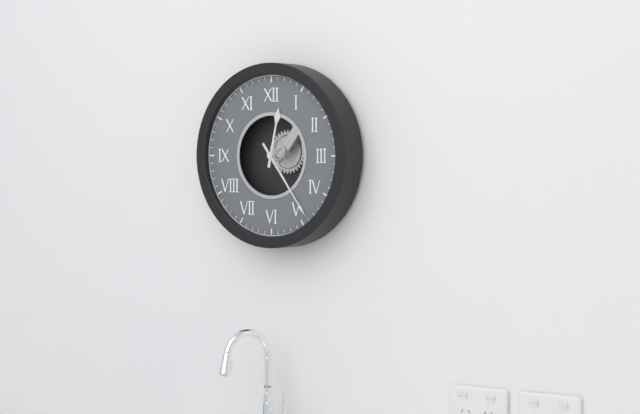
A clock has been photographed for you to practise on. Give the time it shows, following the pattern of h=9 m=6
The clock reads h=12 m=24
